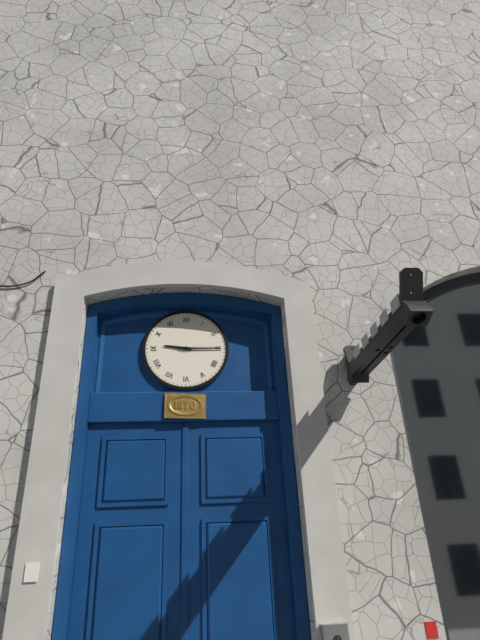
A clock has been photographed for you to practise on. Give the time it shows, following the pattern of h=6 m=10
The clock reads h=9 m=15
